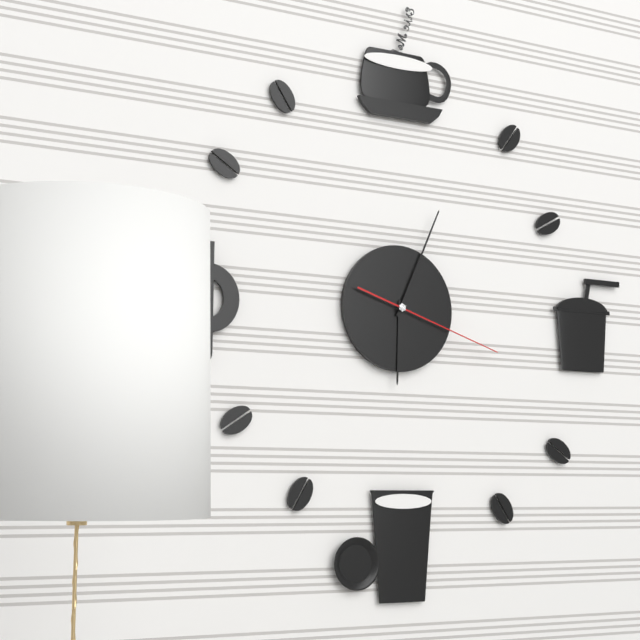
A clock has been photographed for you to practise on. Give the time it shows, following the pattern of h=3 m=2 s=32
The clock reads h=6 m=4 s=18
